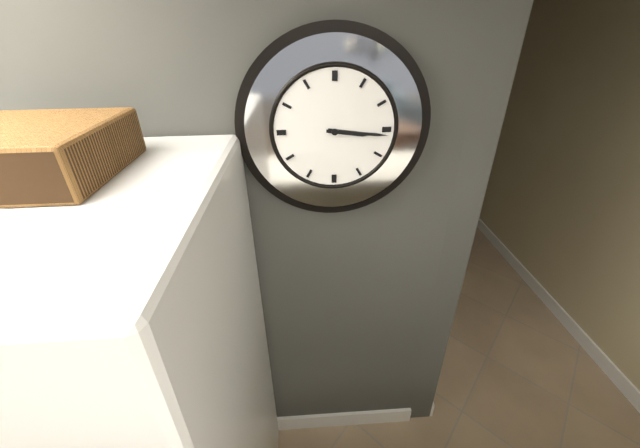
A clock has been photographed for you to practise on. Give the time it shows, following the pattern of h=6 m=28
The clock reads h=3 m=16
